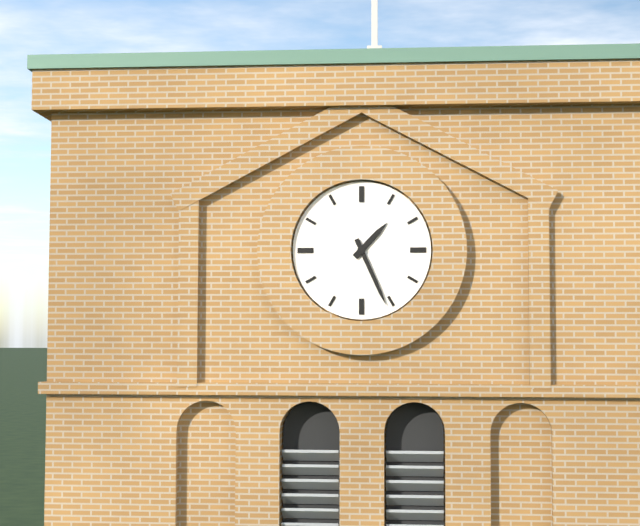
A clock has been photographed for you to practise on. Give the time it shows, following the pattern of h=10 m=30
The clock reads h=1 m=26
